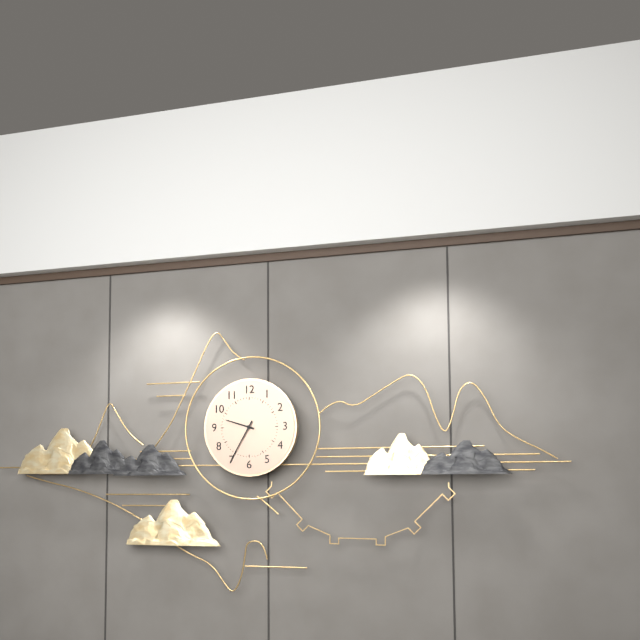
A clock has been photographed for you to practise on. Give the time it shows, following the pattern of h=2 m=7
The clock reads h=9 m=35
